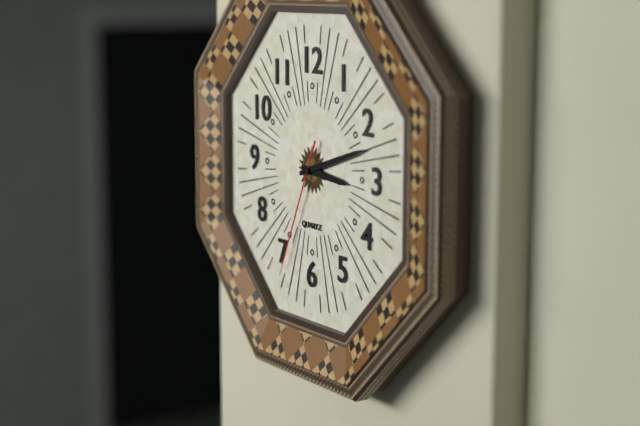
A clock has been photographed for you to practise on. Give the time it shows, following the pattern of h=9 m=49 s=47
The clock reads h=3 m=12 s=34
